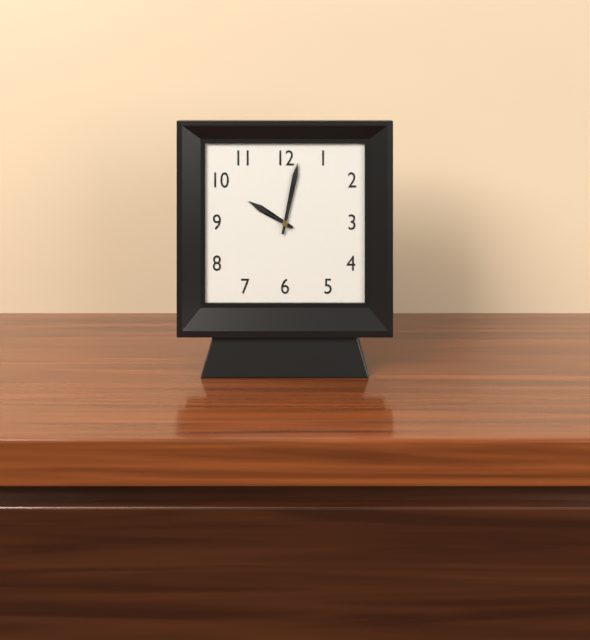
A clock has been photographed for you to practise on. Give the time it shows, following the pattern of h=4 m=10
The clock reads h=10 m=2
